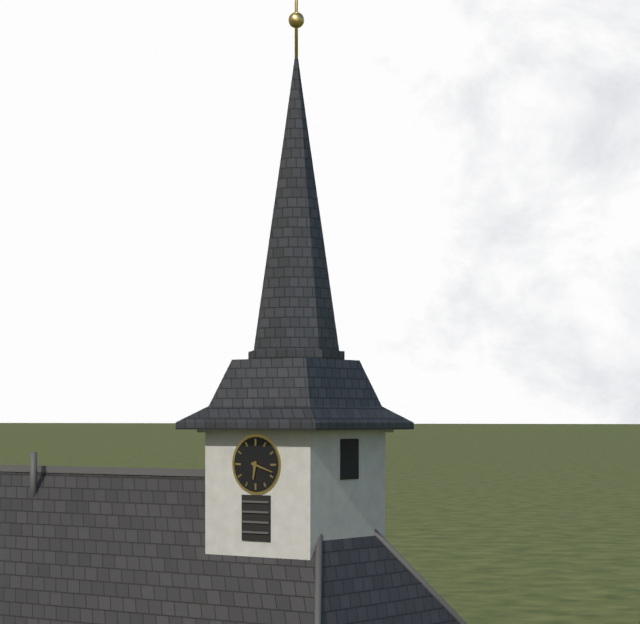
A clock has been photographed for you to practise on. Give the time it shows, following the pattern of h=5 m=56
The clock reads h=6 m=18
